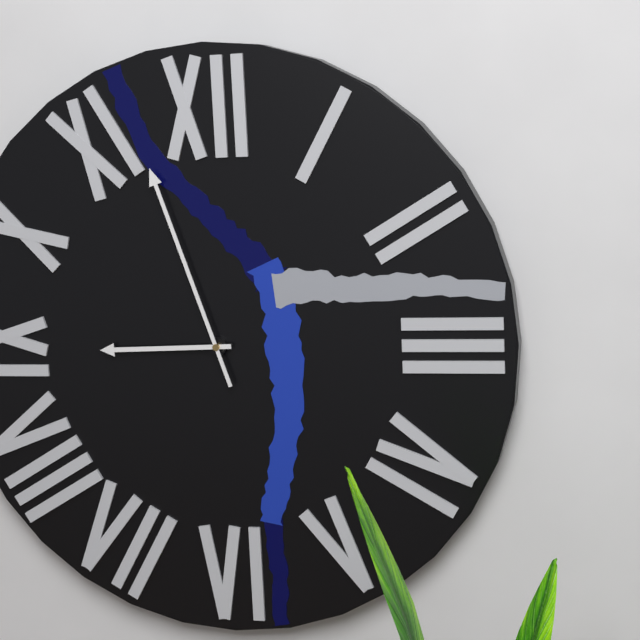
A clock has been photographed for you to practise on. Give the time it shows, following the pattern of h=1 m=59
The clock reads h=8 m=57
